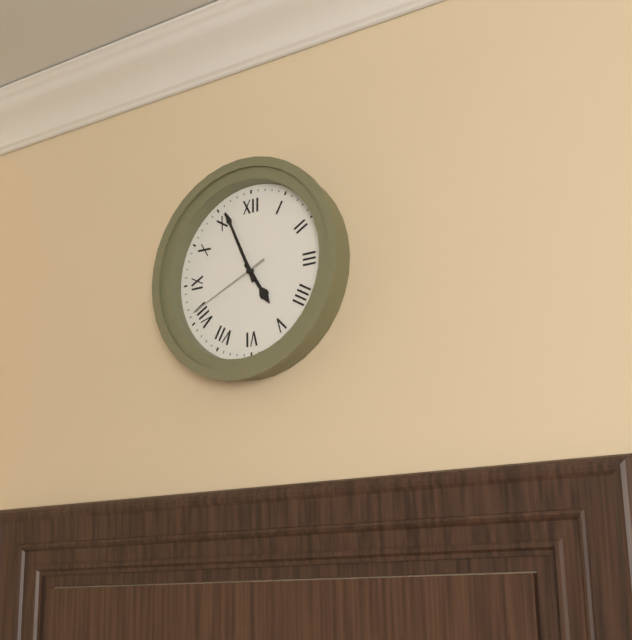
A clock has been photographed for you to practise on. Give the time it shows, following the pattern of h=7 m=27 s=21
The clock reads h=4 m=56 s=41
